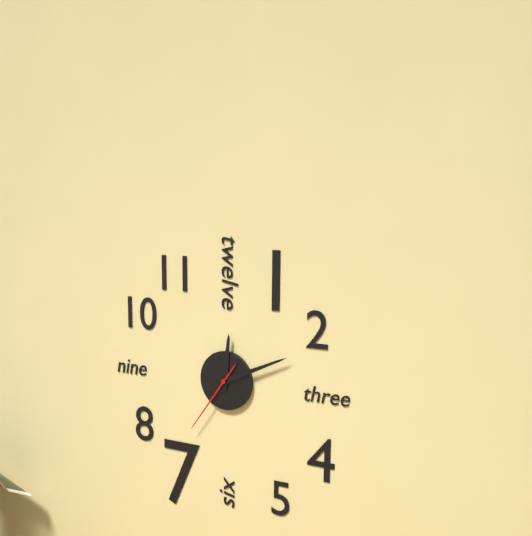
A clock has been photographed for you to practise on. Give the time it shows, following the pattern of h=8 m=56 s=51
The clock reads h=12 m=11 s=36
